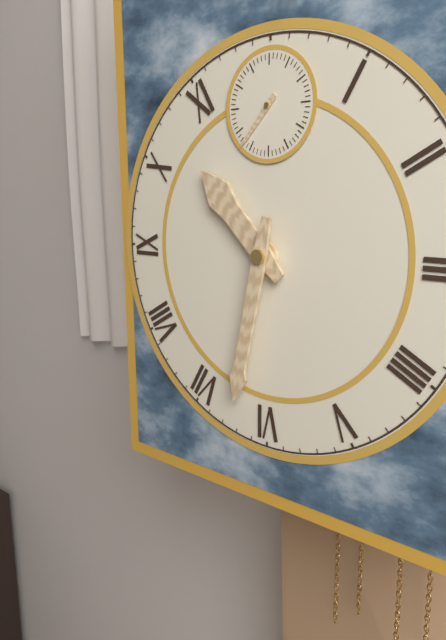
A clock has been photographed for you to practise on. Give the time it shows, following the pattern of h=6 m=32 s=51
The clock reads h=10 m=32 s=37
